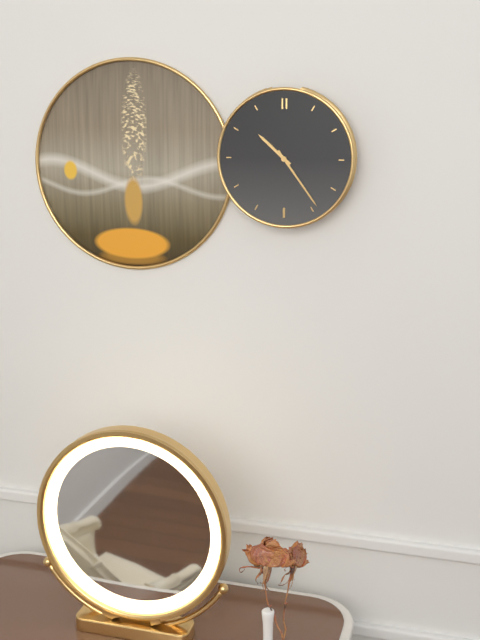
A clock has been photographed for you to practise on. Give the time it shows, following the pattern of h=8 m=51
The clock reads h=10 m=24
